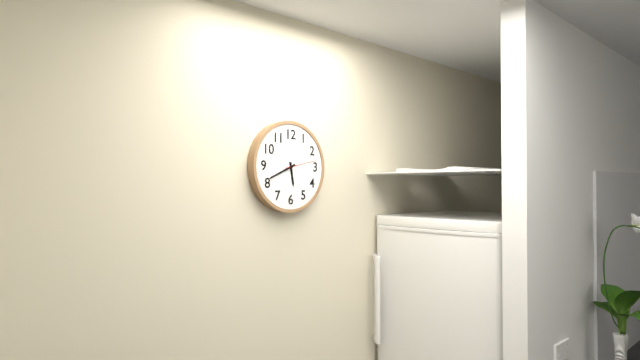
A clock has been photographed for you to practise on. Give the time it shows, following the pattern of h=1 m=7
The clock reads h=5 m=41
